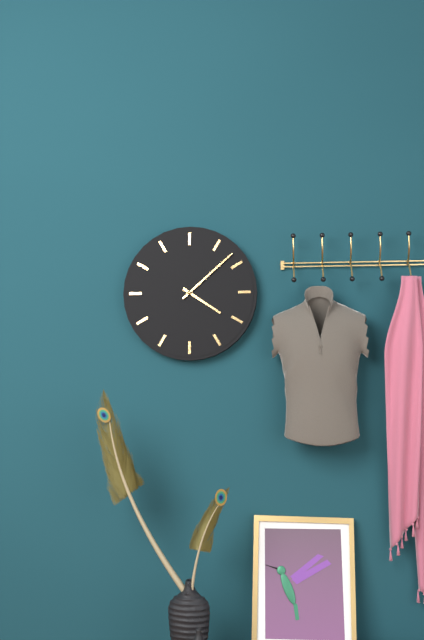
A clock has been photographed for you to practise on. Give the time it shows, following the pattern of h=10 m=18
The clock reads h=4 m=8
